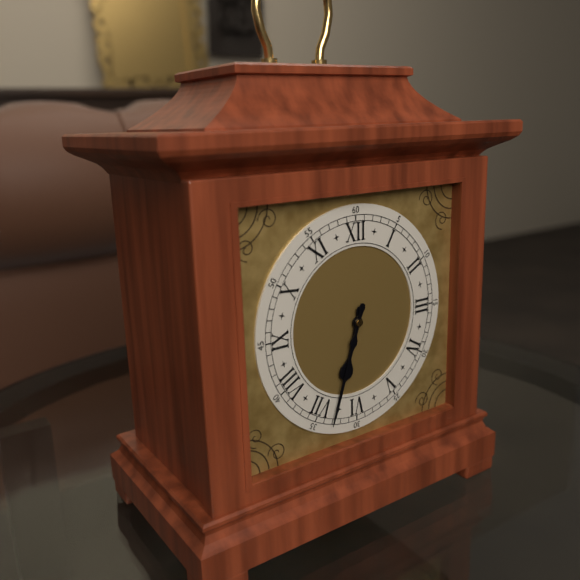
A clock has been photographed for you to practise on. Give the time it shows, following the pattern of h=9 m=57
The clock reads h=6 m=33
